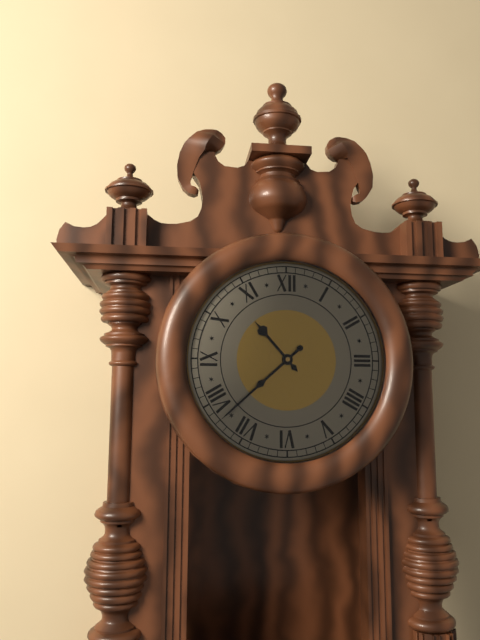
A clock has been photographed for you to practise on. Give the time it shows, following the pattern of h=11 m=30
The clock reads h=10 m=38
